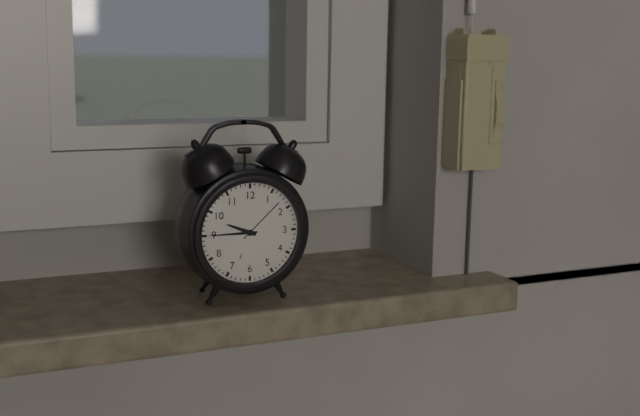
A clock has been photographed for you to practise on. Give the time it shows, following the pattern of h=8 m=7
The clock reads h=9 m=45
